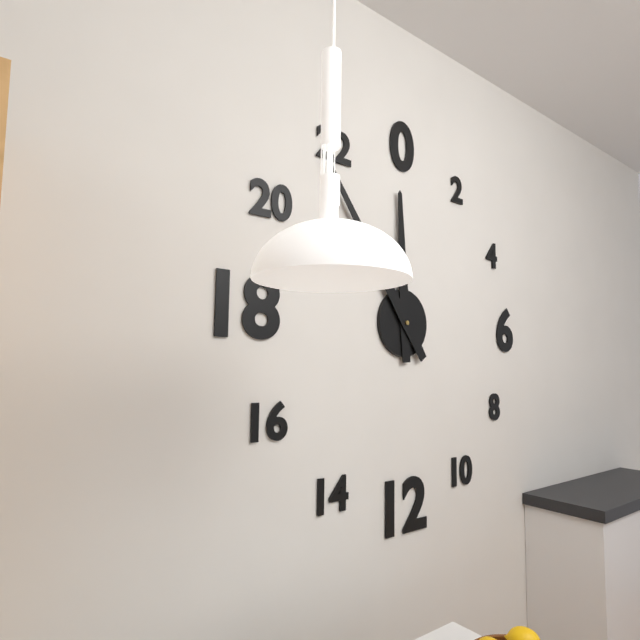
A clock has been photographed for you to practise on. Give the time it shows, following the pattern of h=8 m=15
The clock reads h=11 m=54
